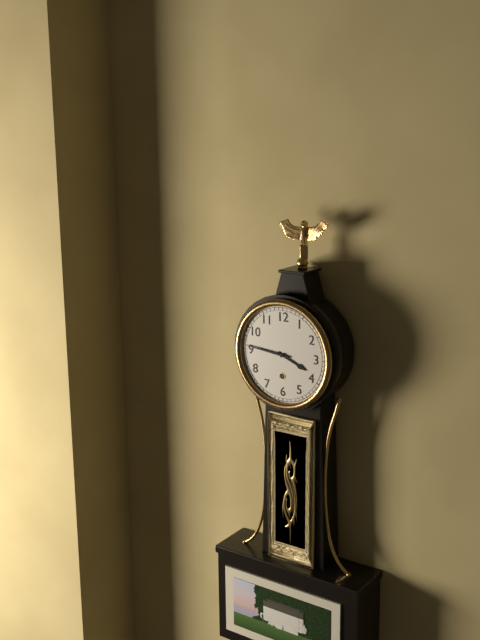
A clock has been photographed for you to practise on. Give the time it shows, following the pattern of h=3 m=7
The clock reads h=3 m=46
